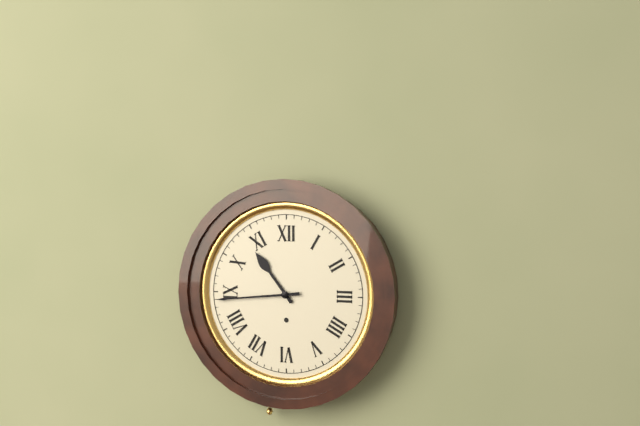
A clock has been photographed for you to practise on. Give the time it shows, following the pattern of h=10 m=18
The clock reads h=10 m=44
